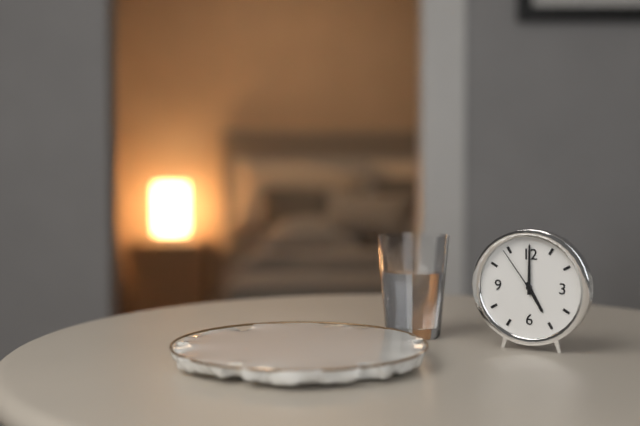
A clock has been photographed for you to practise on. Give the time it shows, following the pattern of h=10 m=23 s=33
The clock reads h=5 m=0 s=54
